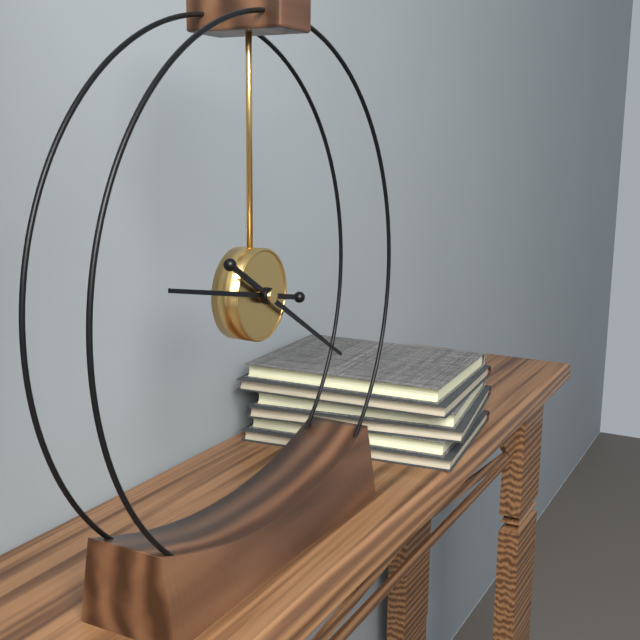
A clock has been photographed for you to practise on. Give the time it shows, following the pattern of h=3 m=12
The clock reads h=9 m=20
